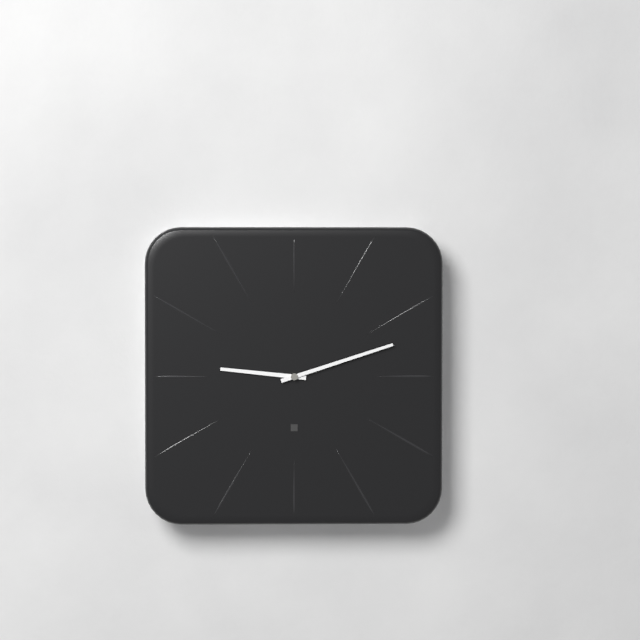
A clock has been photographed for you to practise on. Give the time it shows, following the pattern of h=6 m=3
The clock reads h=9 m=12
